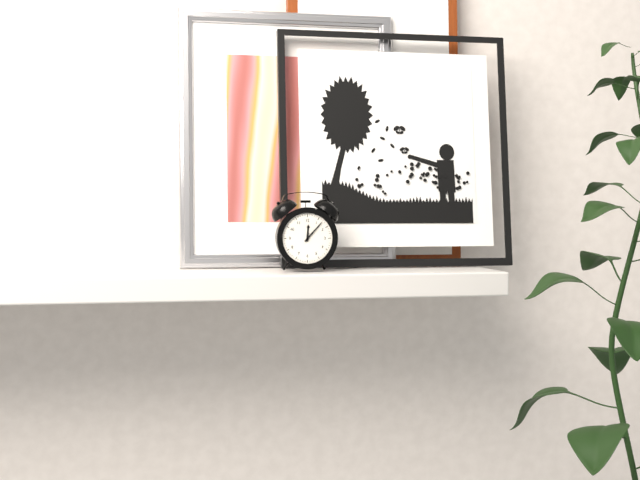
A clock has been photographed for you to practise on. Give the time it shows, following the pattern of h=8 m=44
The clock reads h=12 m=7
